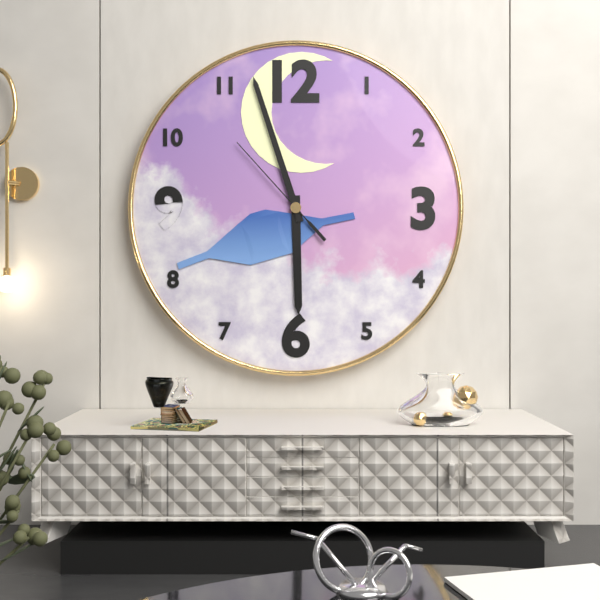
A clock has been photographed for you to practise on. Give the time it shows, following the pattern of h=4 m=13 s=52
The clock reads h=5 m=57 s=53
